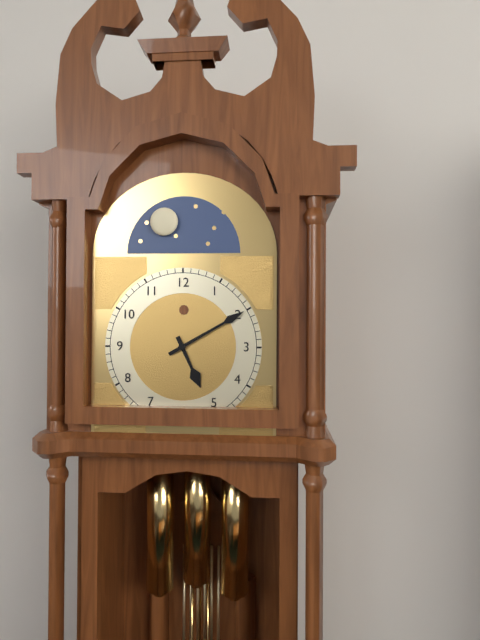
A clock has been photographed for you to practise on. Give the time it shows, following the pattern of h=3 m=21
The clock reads h=5 m=10
